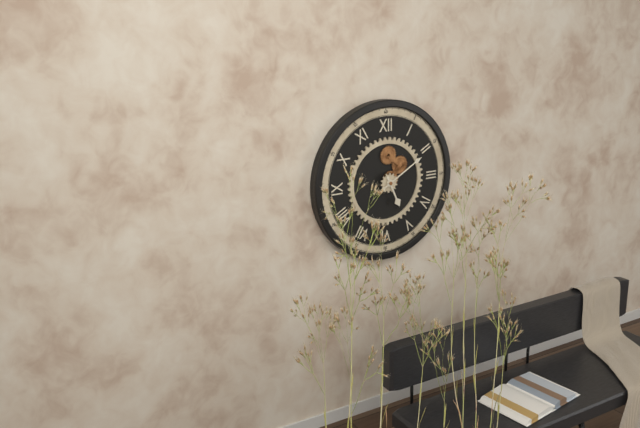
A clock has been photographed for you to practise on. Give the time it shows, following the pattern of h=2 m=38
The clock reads h=5 m=10
